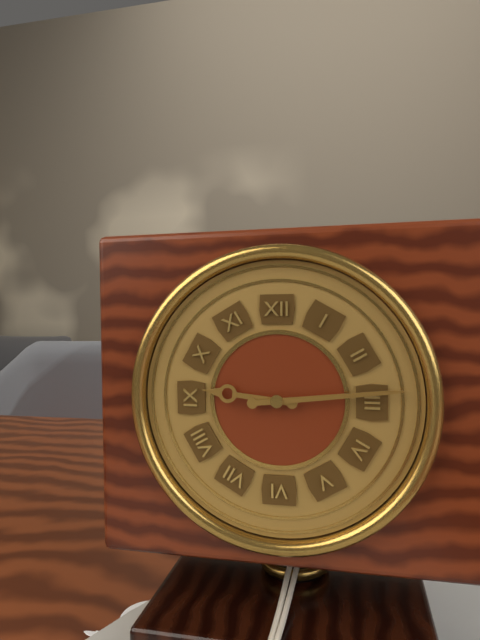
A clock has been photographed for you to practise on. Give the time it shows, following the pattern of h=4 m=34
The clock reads h=9 m=14
